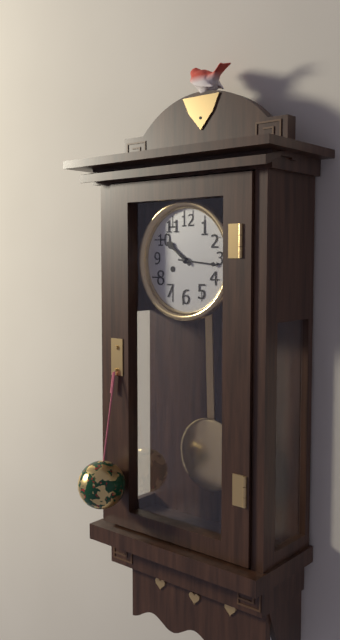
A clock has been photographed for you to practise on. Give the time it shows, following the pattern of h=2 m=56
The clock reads h=10 m=16
